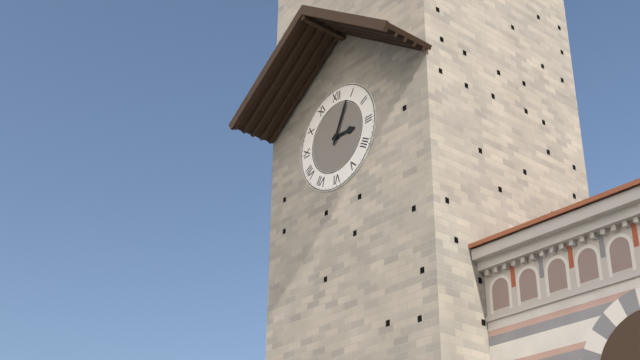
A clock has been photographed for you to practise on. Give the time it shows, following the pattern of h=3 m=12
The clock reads h=3 m=4
